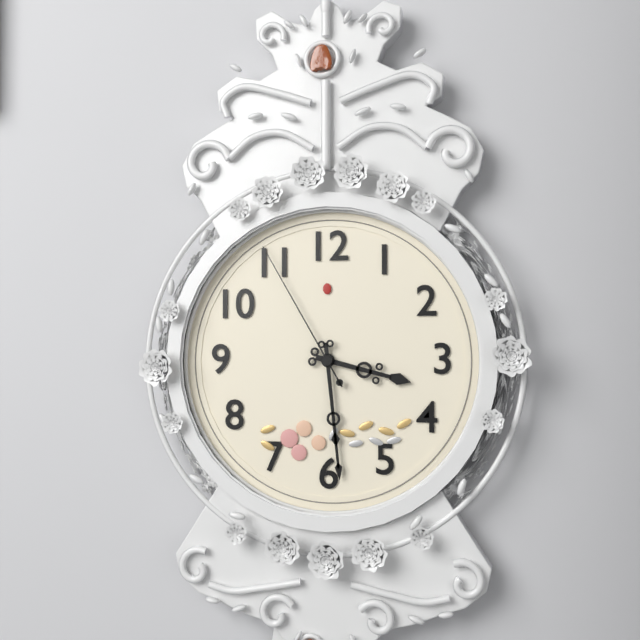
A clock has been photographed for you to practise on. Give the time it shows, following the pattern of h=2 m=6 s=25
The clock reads h=3 m=29 s=55
